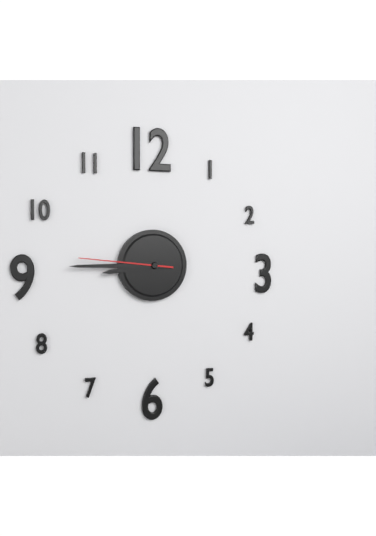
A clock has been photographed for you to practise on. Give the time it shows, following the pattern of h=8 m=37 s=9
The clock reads h=8 m=45 s=46
